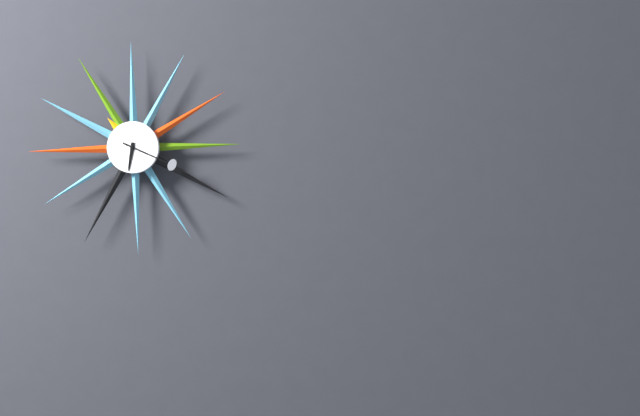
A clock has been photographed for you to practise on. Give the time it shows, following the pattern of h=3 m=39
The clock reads h=6 m=19
